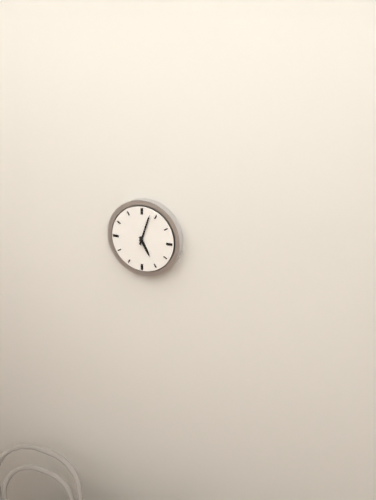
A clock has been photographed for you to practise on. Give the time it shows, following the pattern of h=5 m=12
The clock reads h=5 m=3
